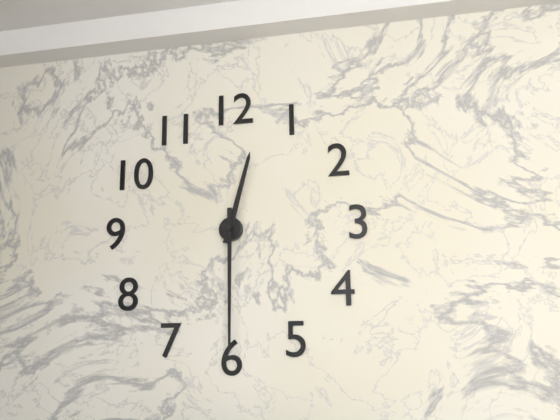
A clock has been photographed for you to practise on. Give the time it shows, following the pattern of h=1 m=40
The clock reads h=12 m=30
